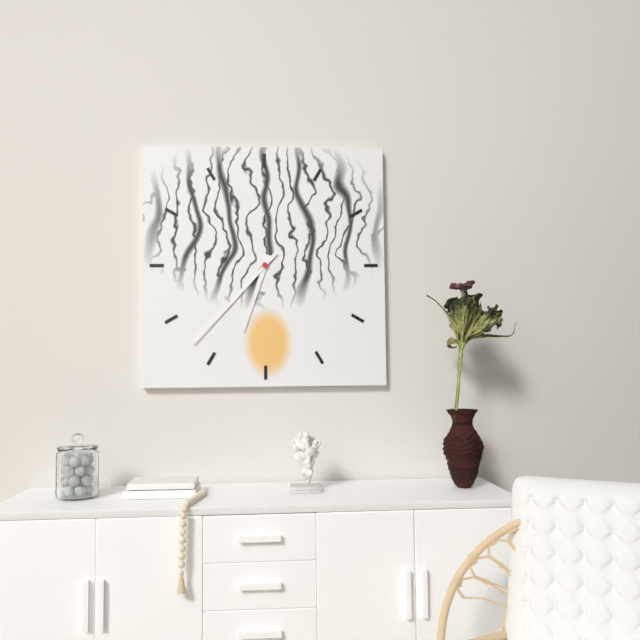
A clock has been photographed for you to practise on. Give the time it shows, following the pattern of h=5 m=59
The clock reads h=6 m=37
